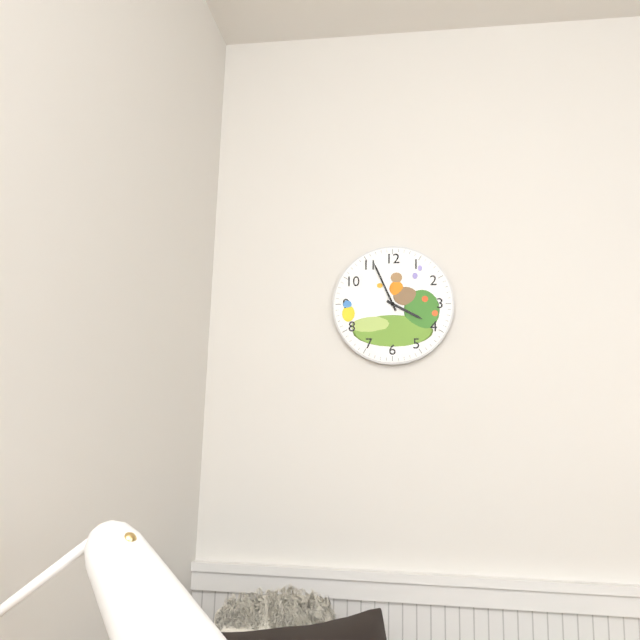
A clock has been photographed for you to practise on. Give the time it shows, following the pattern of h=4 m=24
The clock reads h=3 m=56
